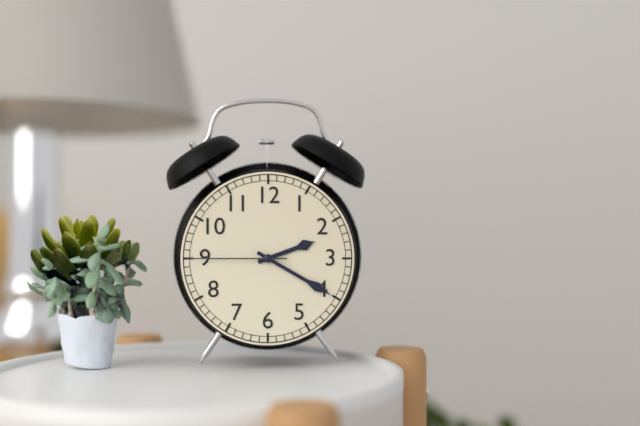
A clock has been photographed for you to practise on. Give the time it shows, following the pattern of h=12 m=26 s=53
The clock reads h=2 m=20 s=45
